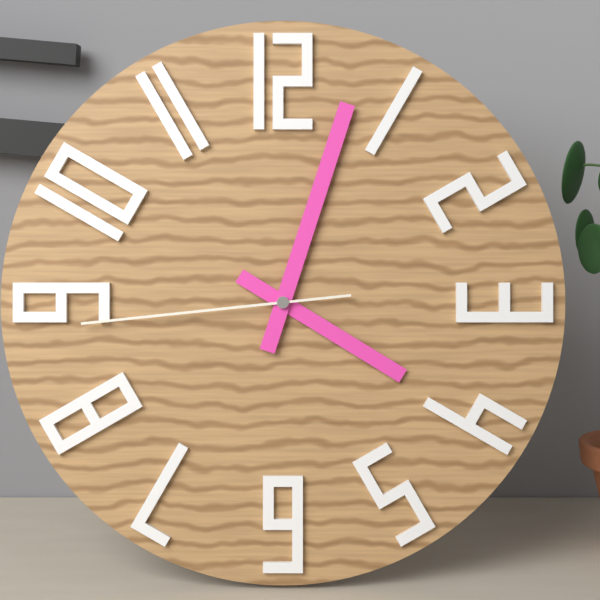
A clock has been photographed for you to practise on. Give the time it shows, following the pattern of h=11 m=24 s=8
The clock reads h=4 m=3 s=44
